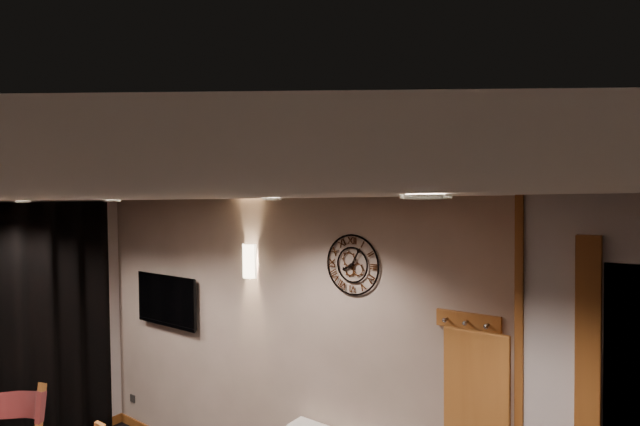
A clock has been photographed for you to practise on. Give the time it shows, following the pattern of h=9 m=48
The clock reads h=8 m=5
